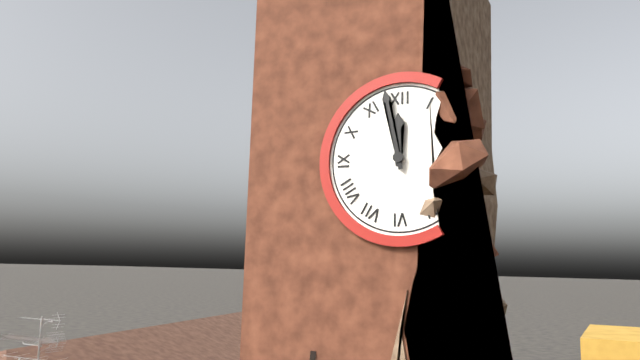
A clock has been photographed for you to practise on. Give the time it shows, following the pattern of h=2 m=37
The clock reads h=11 m=58
